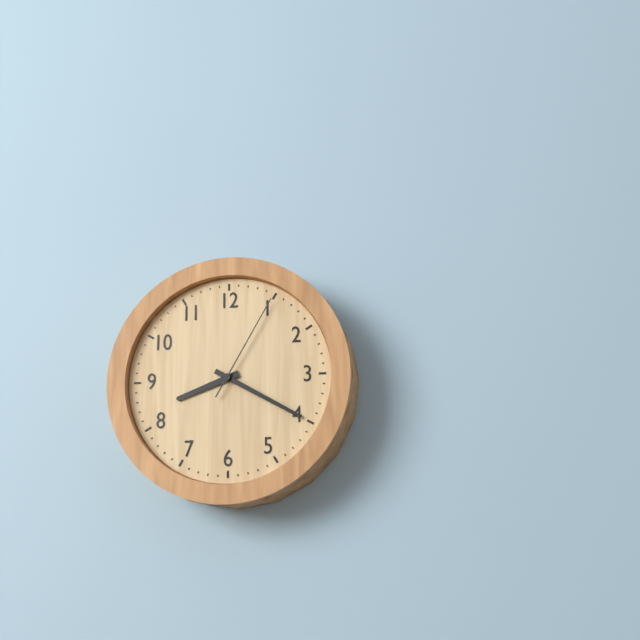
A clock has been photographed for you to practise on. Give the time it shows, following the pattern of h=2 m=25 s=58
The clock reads h=8 m=20 s=5
